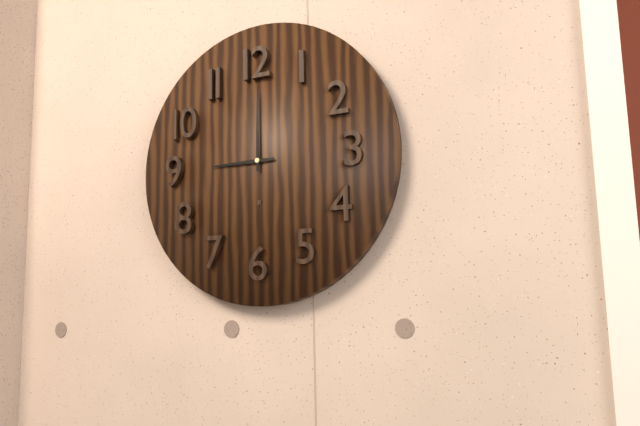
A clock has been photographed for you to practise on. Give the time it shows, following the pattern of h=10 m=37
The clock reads h=9 m=0
